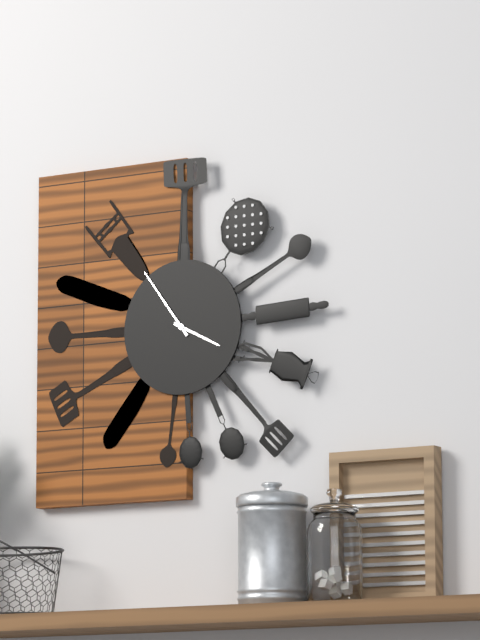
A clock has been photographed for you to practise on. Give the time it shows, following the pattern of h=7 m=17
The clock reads h=3 m=54
